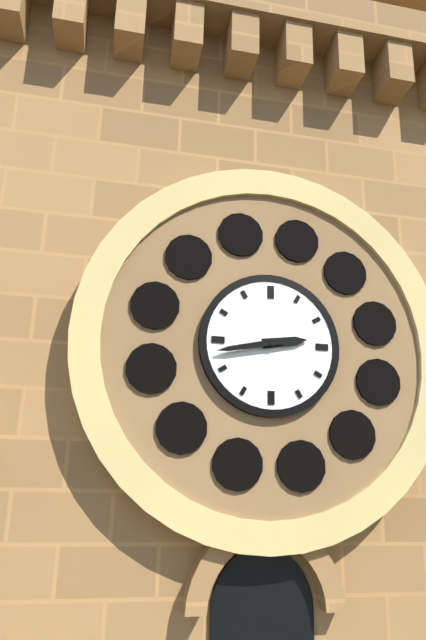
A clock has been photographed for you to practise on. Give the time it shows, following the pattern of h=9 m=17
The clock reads h=2 m=43
